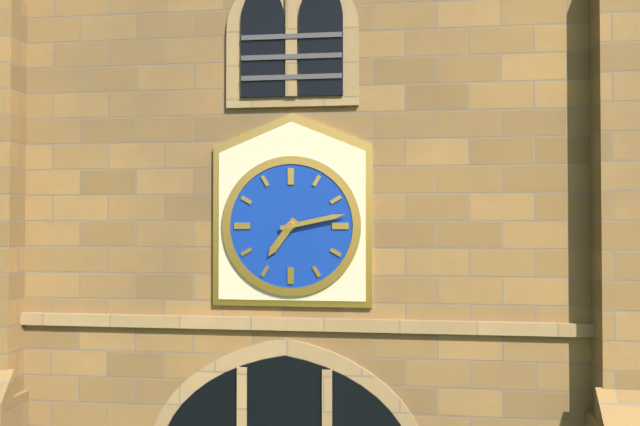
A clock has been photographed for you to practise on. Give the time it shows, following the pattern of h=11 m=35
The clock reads h=7 m=13
